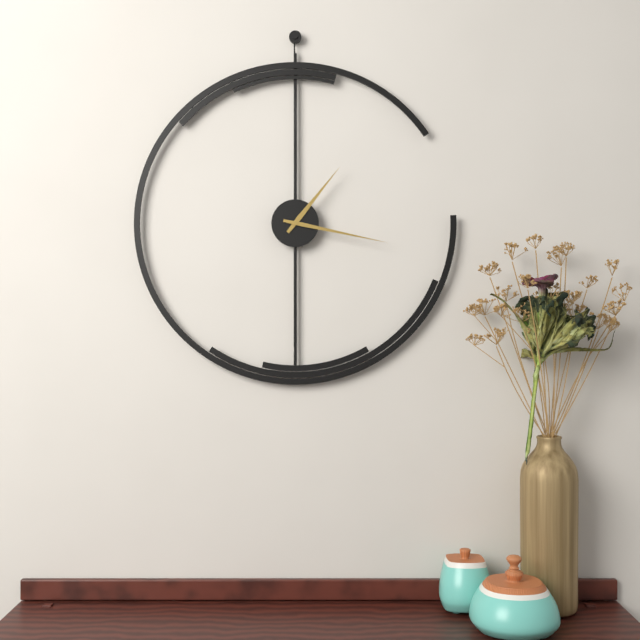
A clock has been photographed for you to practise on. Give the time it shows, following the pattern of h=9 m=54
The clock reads h=1 m=17
